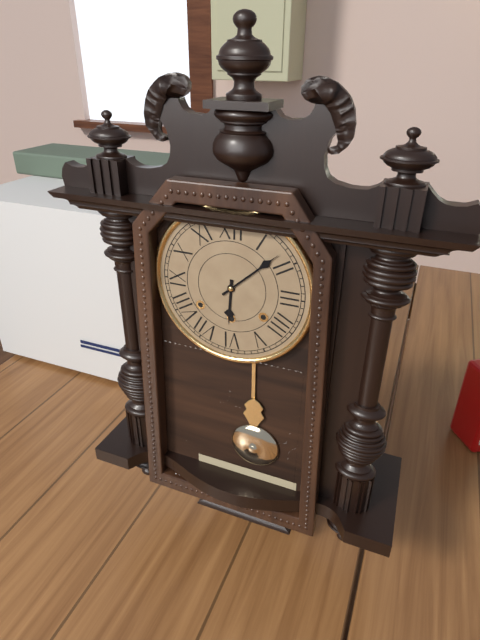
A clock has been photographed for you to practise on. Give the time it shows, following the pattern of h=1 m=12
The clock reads h=6 m=8
